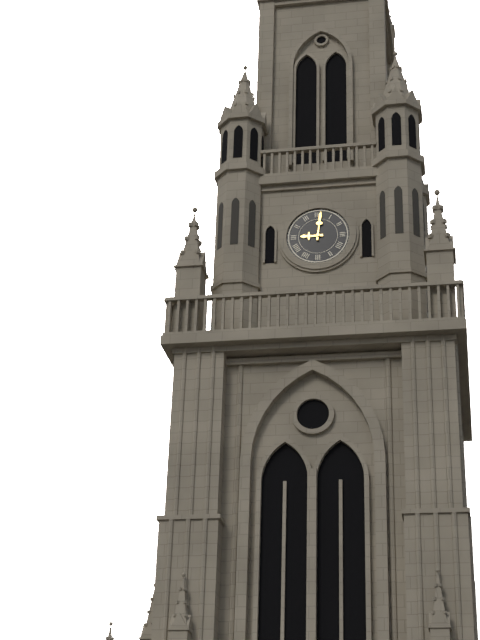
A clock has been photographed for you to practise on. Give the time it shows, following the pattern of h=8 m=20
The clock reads h=9 m=1
